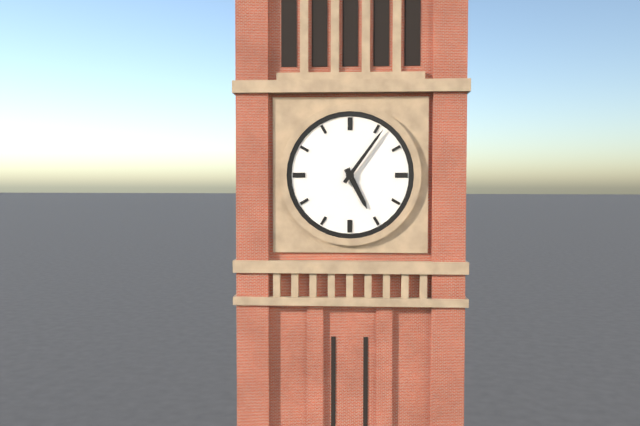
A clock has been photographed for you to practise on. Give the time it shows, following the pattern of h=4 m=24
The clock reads h=5 m=6
